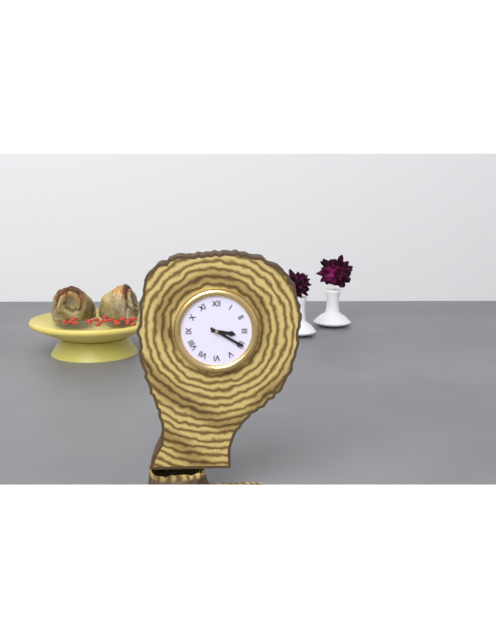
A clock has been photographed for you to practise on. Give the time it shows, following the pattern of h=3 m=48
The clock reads h=3 m=20
